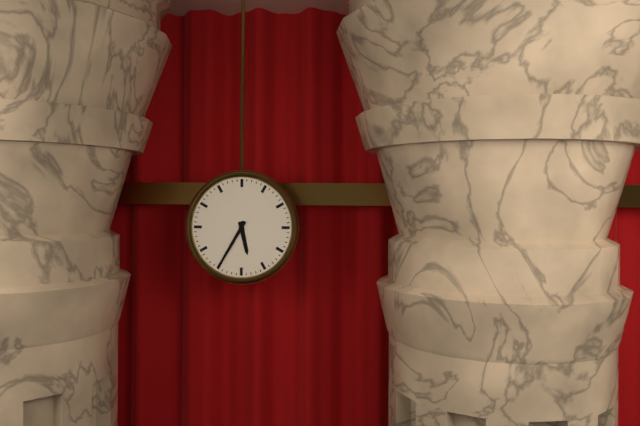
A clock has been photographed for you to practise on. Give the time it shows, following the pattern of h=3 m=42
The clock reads h=5 m=35
